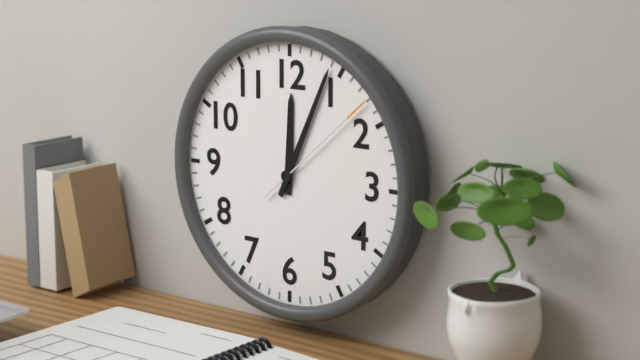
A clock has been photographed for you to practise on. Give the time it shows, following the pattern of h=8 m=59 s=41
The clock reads h=12 m=4 s=8
